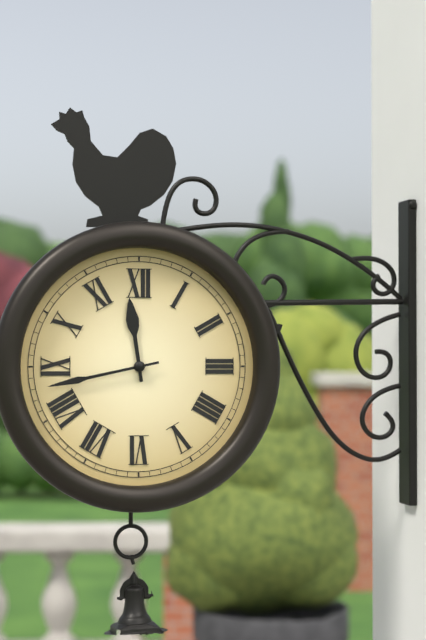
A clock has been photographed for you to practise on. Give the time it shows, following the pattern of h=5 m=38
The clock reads h=11 m=43
